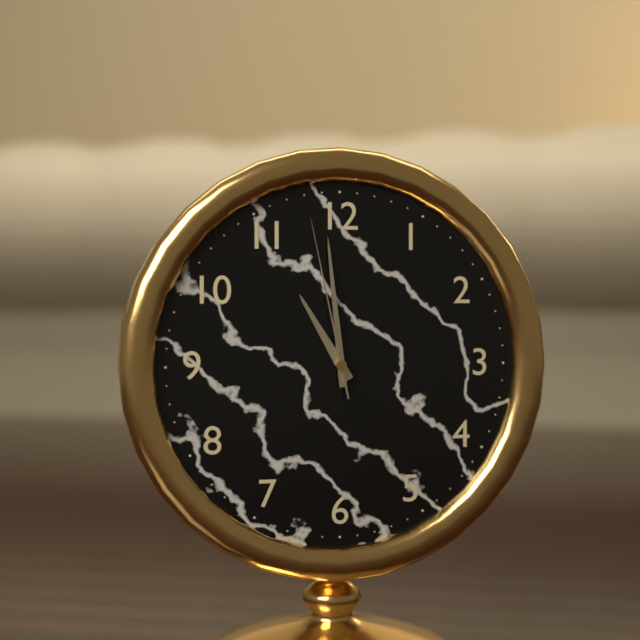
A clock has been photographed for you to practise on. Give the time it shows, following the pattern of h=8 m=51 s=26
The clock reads h=10 m=59 s=58
